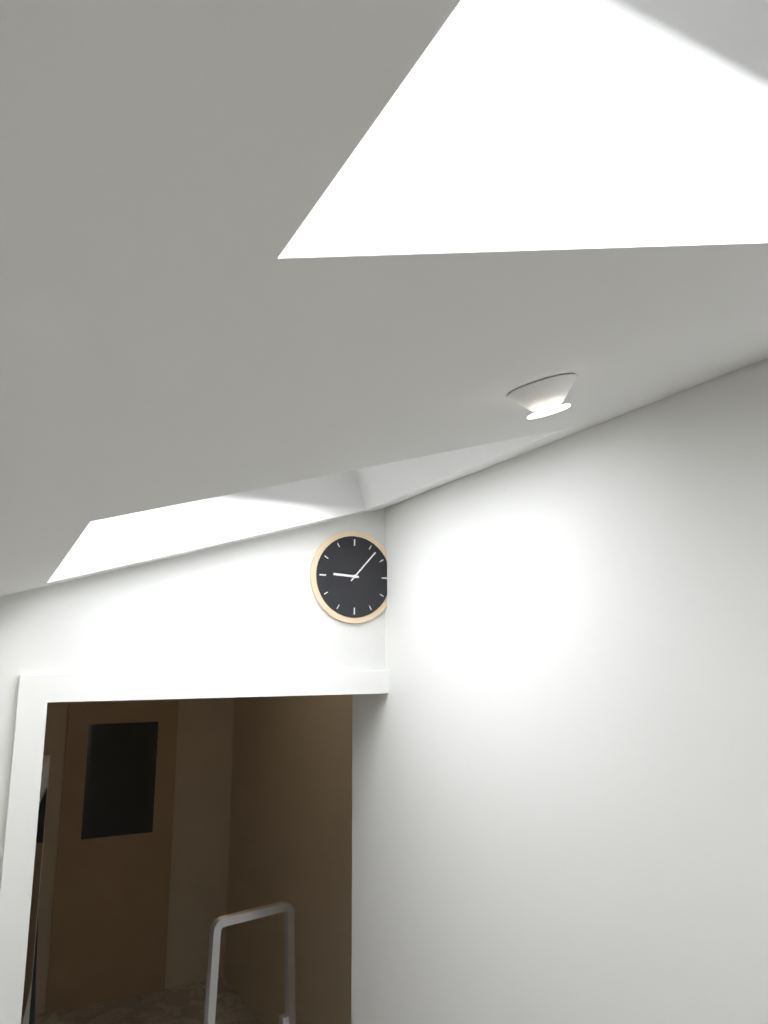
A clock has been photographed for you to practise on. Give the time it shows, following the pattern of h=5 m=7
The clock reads h=9 m=7
